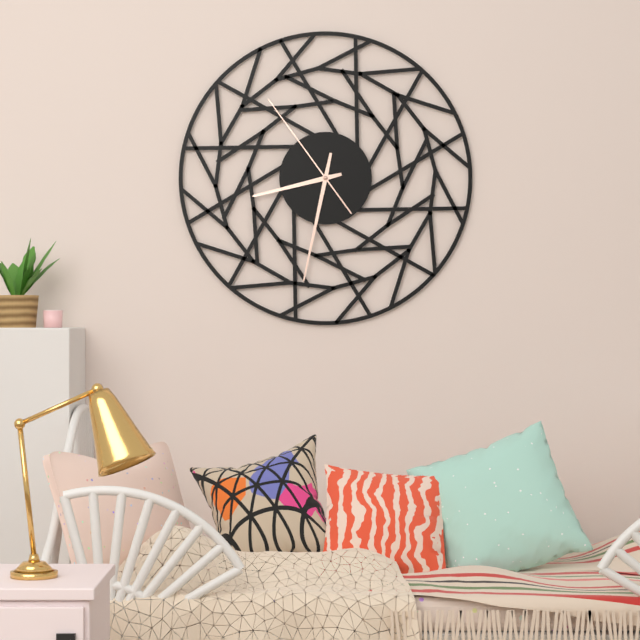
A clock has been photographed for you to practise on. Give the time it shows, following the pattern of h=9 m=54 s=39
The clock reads h=8 m=32 s=54
